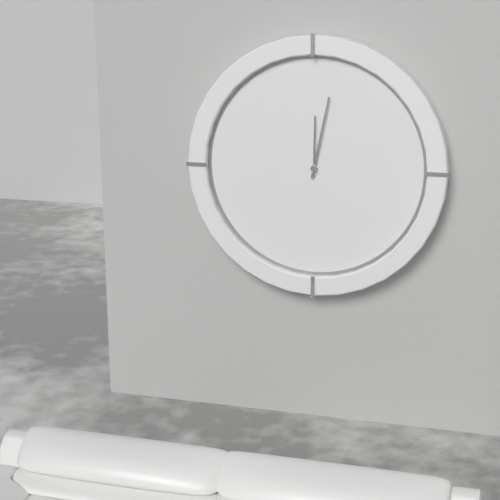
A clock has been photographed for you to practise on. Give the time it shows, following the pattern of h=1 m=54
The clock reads h=12 m=2
